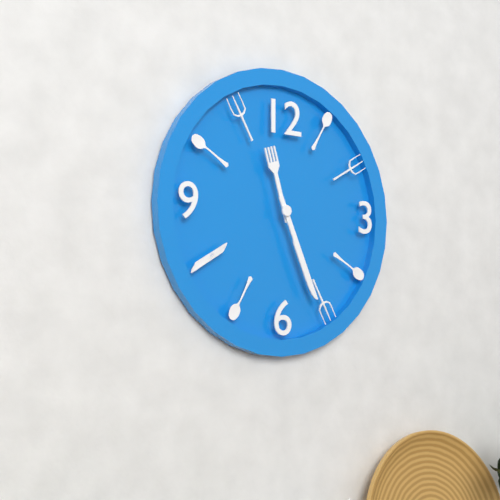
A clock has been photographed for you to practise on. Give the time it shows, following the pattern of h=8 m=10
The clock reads h=11 m=26
